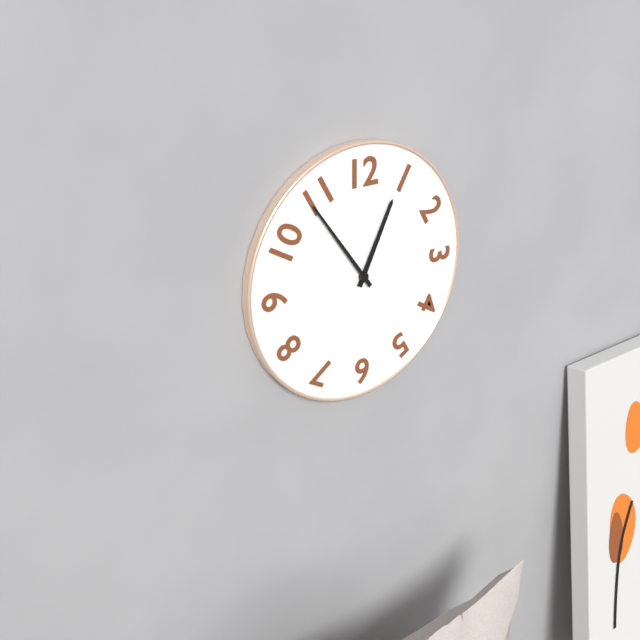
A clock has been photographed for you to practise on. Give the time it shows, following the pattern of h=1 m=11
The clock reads h=12 m=54
